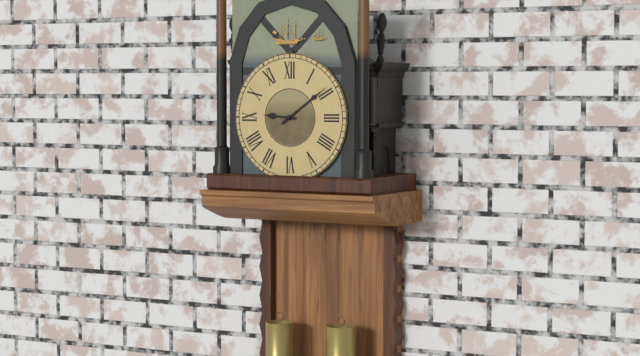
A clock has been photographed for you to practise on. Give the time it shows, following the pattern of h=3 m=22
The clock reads h=9 m=9
